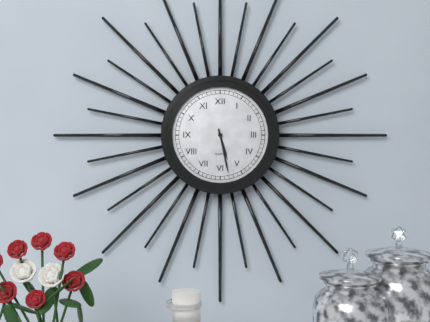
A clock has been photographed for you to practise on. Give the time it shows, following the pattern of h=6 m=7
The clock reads h=5 m=28
